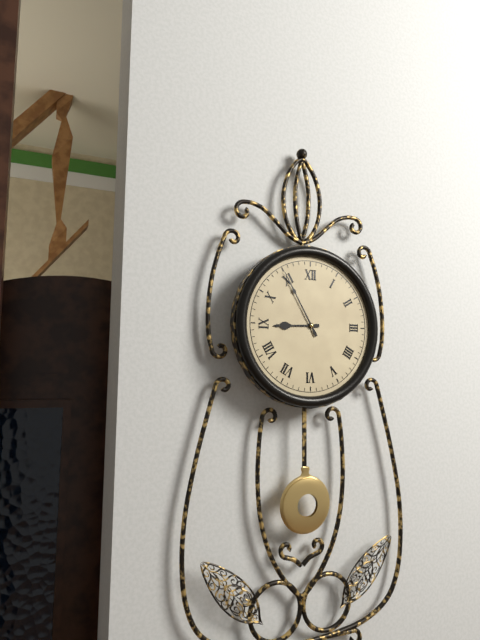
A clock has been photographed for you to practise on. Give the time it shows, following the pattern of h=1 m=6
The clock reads h=8 m=55
